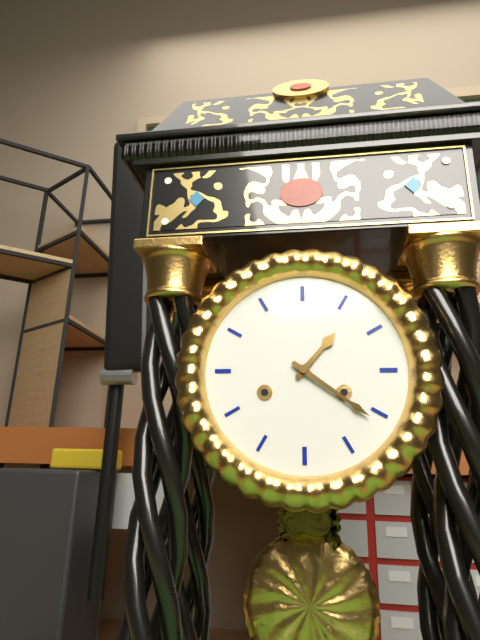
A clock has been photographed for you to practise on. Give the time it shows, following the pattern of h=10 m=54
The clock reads h=1 m=21
